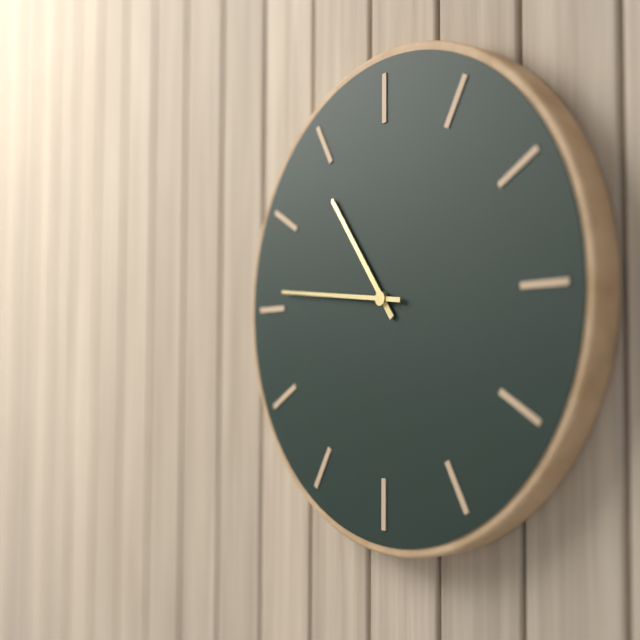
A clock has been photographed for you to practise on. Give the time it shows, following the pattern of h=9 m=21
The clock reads h=10 m=46
